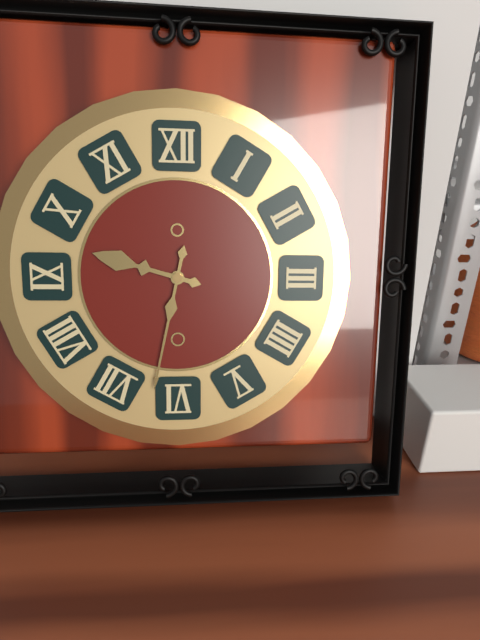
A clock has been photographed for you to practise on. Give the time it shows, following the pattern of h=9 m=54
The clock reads h=9 m=32
